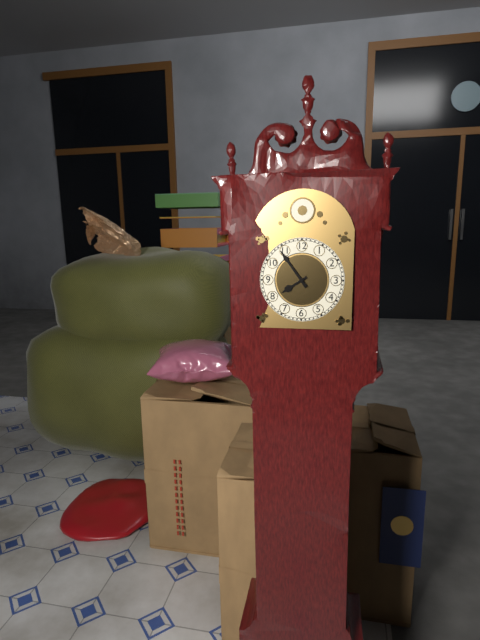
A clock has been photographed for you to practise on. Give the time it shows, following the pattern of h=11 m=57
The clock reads h=7 m=54
